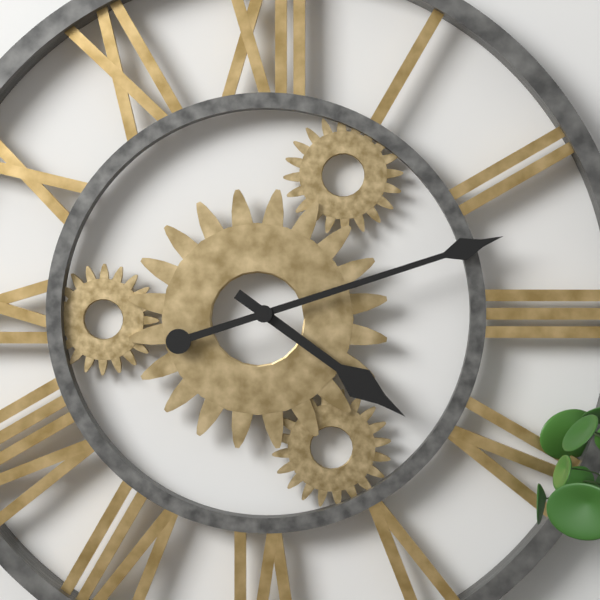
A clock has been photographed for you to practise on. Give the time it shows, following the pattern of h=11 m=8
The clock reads h=4 m=12
